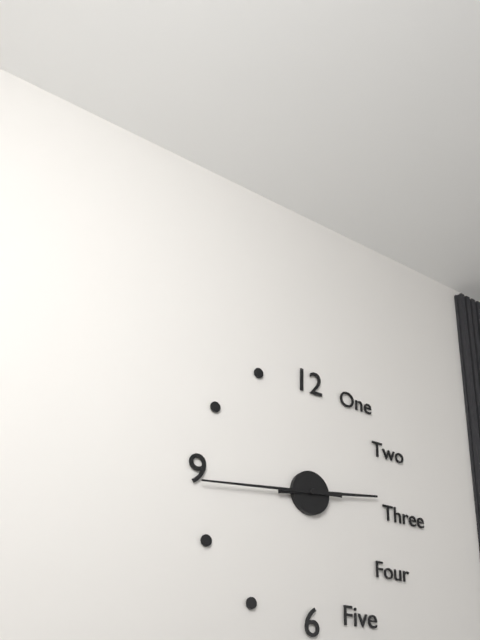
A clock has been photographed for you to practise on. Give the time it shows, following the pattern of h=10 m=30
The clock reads h=2 m=44
